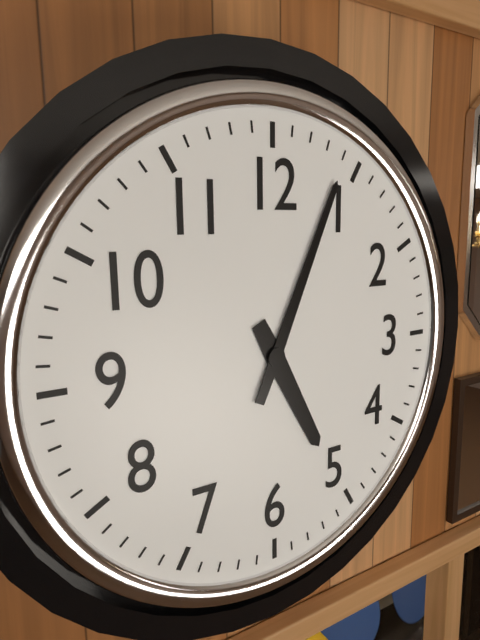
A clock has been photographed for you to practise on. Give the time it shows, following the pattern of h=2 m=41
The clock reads h=5 m=4
